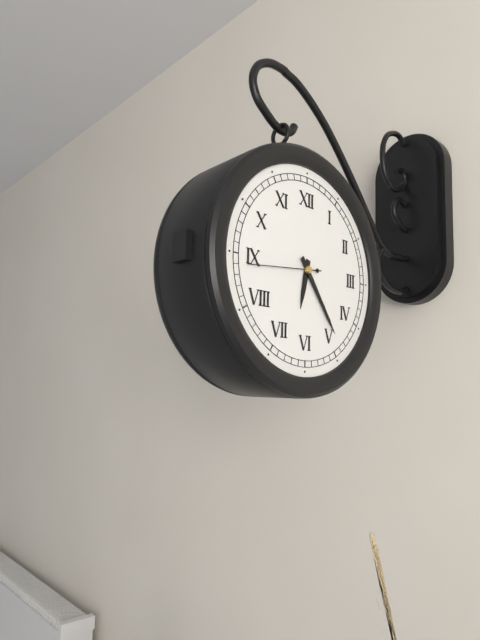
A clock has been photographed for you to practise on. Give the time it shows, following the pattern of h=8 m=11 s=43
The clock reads h=6 m=24 s=44
